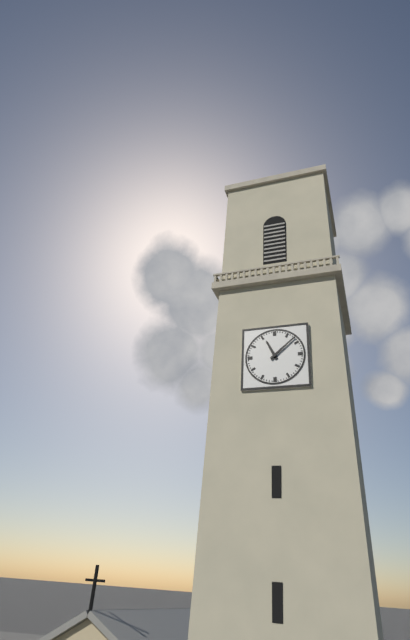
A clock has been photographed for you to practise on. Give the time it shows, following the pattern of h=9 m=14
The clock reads h=11 m=8
